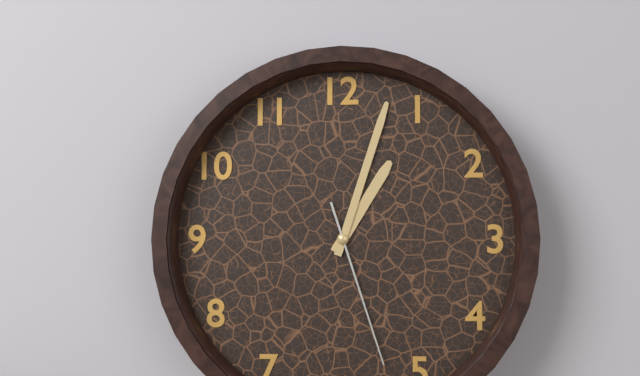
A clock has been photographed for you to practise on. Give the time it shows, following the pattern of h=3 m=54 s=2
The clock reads h=1 m=3 s=27
